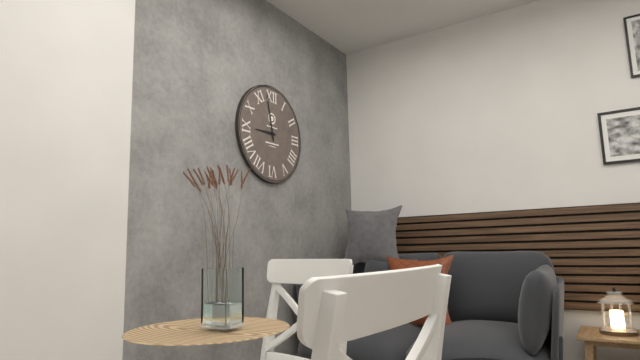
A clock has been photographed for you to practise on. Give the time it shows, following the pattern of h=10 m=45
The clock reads h=8 m=58
